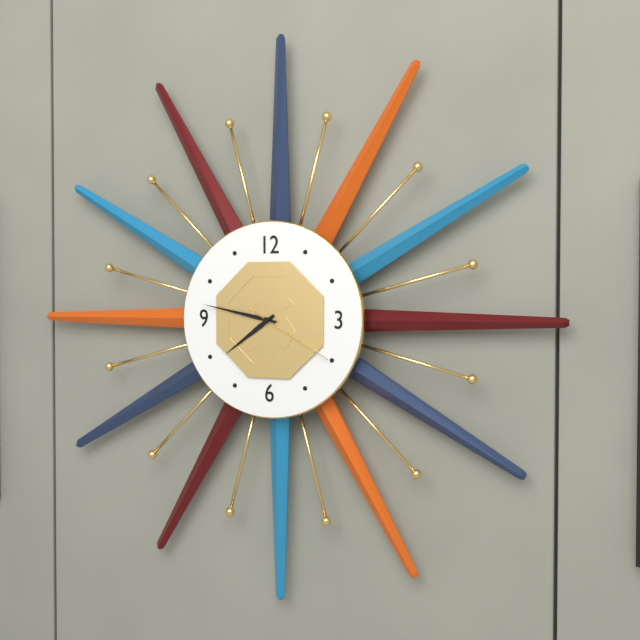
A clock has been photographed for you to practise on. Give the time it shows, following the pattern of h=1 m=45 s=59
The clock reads h=7 m=47 s=20
